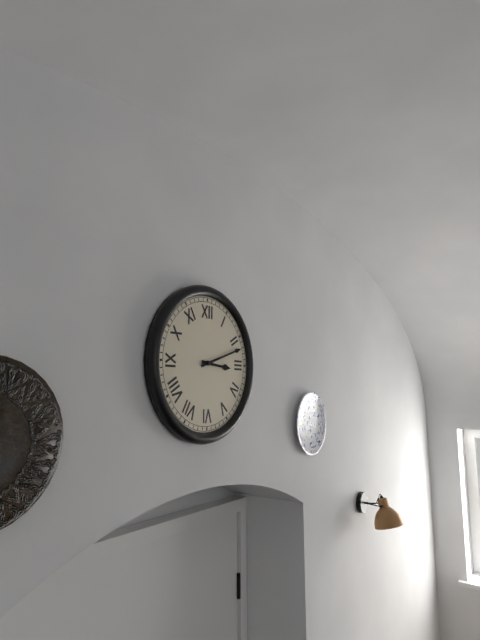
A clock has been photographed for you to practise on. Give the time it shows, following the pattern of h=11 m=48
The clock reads h=3 m=12
